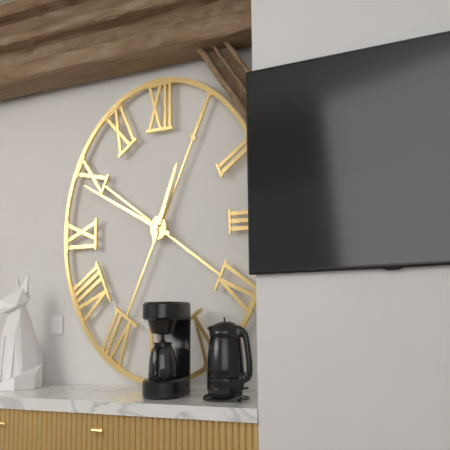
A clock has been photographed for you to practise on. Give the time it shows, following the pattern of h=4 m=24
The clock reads h=12 m=49
